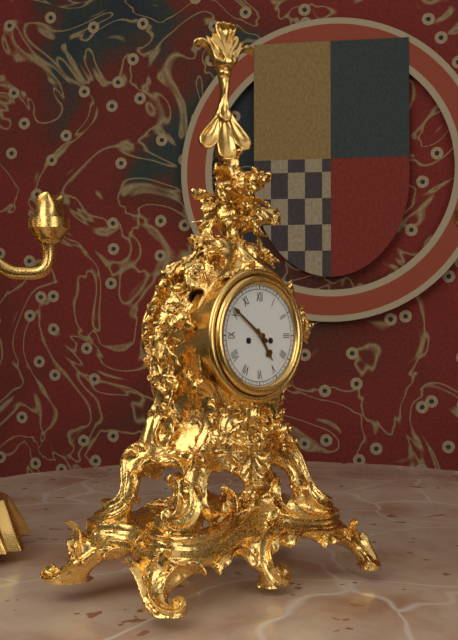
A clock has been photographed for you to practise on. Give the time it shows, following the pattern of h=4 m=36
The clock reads h=4 m=51
